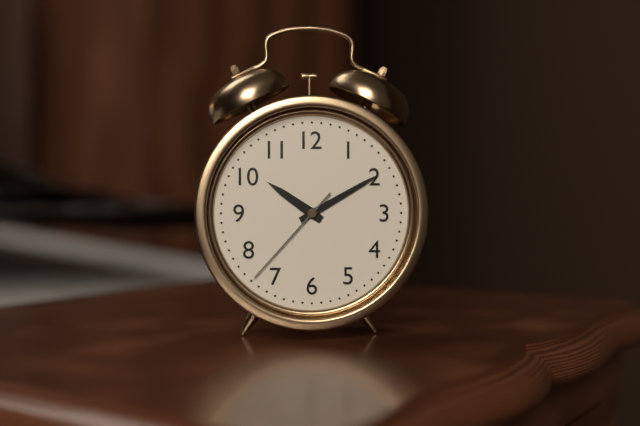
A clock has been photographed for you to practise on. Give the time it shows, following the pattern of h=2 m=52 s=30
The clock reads h=10 m=10 s=37
